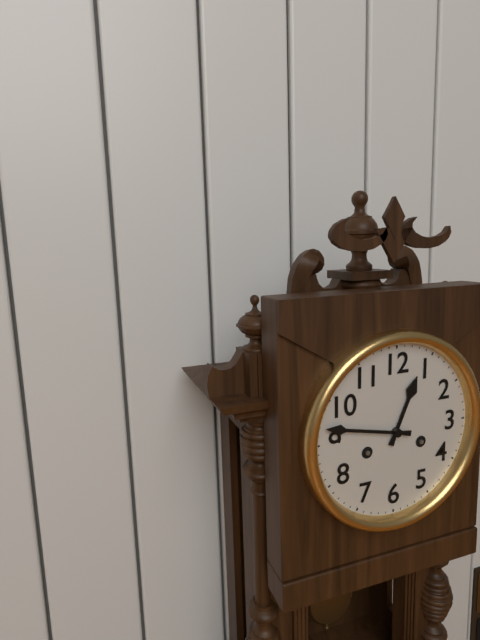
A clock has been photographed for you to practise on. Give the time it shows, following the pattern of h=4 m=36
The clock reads h=12 m=47
